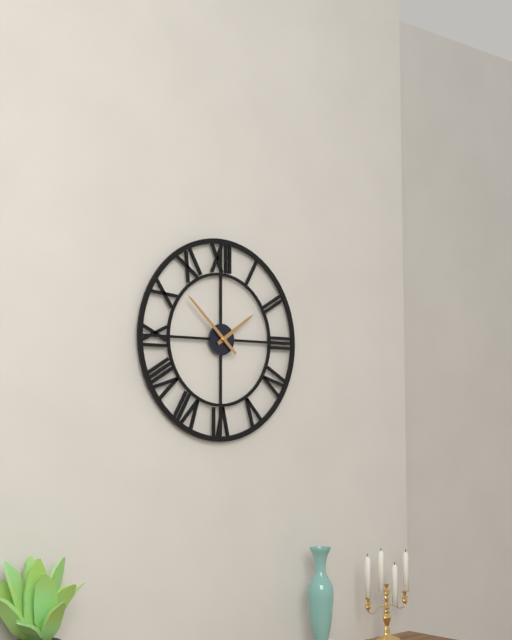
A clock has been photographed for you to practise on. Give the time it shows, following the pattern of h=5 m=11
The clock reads h=1 m=52
